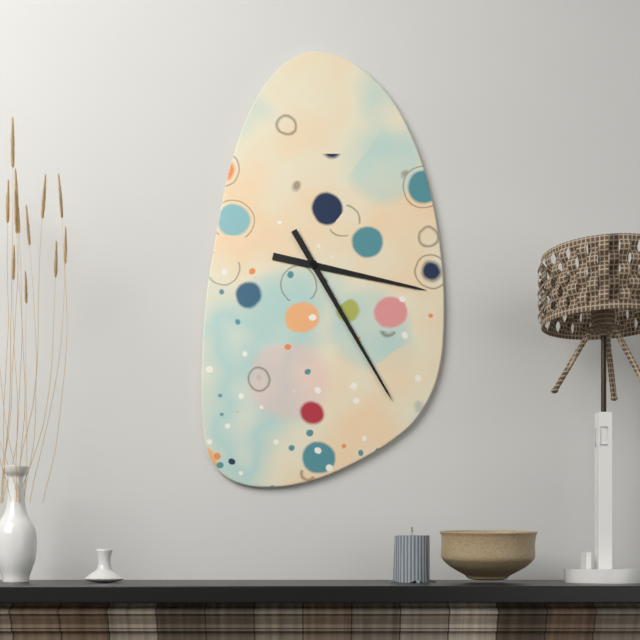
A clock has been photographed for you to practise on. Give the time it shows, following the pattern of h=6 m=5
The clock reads h=3 m=25
